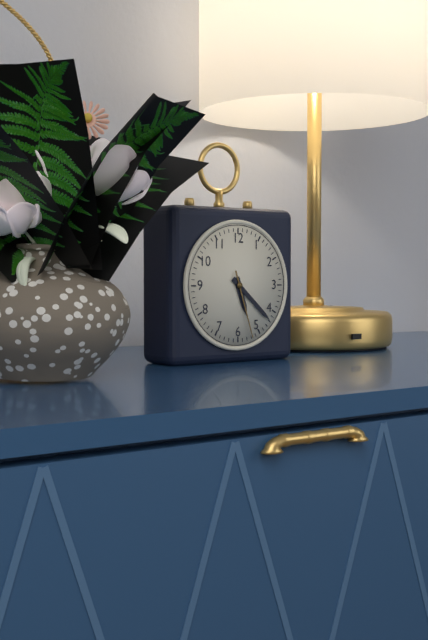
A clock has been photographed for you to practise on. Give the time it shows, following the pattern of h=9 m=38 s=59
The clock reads h=5 m=22 s=27
